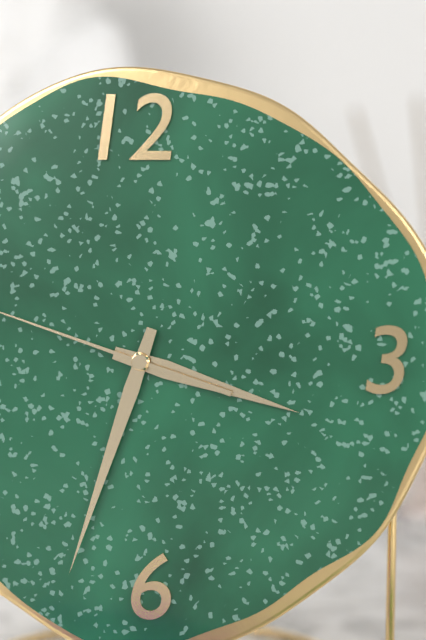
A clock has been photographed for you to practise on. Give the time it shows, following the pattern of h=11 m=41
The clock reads h=3 m=33
